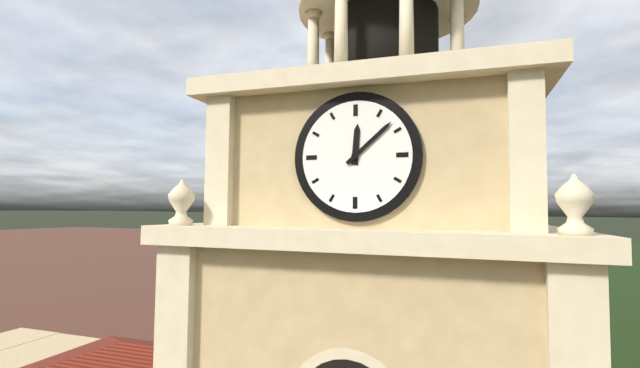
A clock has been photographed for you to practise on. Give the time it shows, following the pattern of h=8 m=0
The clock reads h=12 m=8
